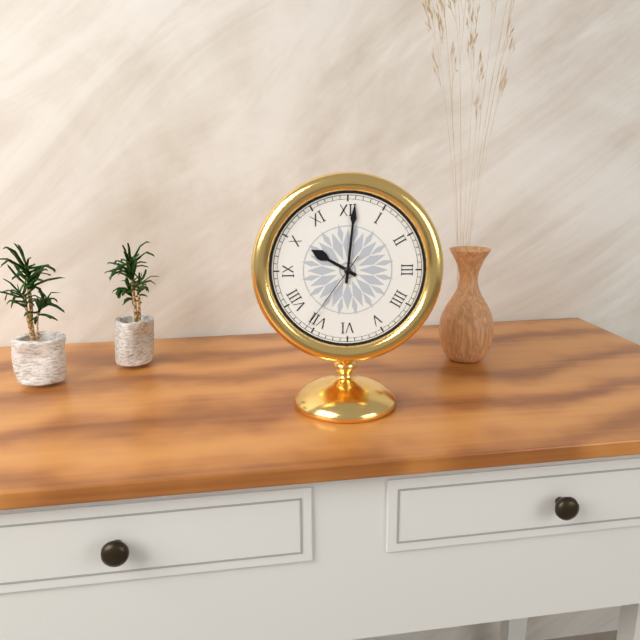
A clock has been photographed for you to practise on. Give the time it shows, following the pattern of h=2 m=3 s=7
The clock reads h=10 m=1 s=36
